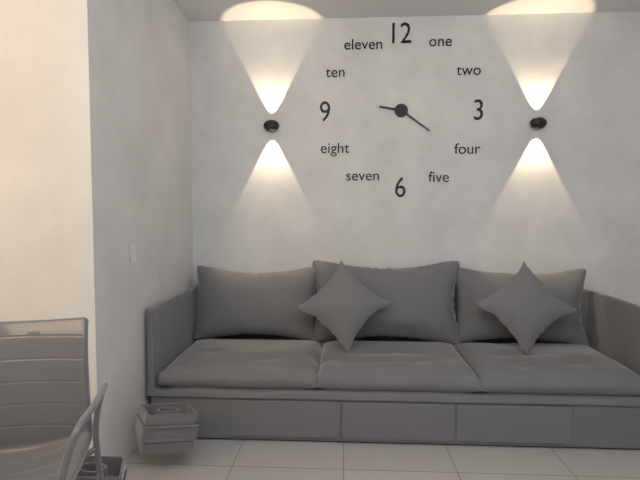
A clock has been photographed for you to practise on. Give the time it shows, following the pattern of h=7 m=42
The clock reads h=9 m=21
